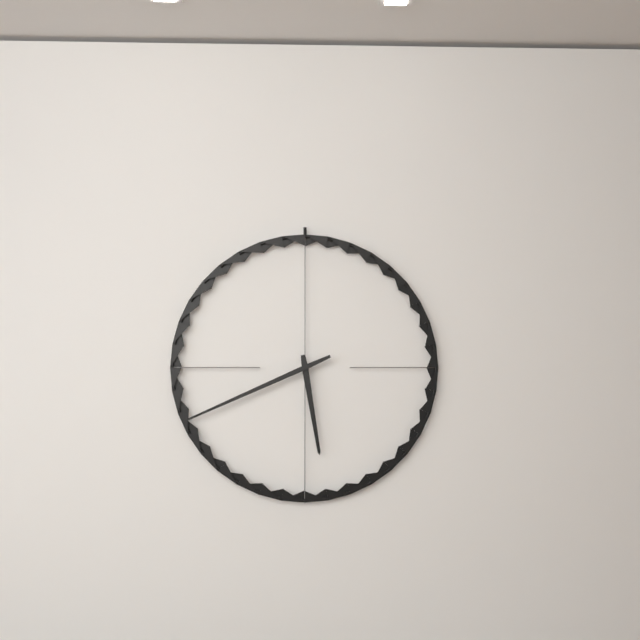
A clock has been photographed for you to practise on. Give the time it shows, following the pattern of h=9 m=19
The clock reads h=5 m=41
